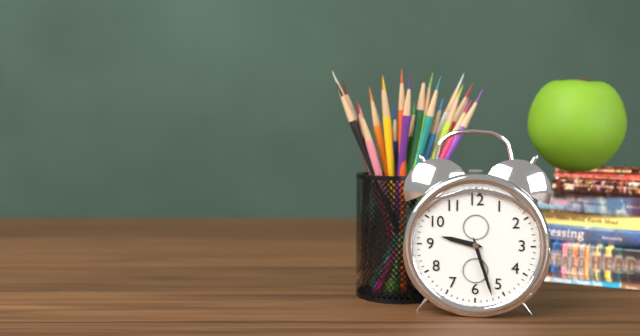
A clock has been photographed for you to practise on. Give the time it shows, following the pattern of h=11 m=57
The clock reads h=9 m=27
